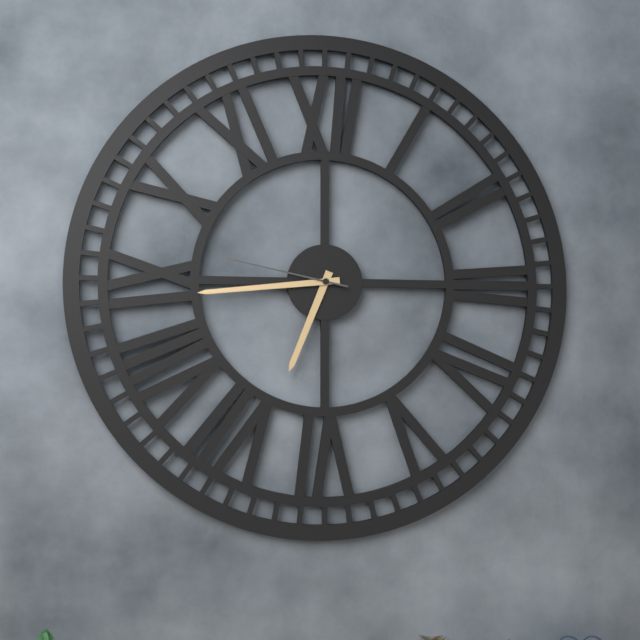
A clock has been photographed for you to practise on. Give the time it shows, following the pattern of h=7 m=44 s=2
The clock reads h=6 m=44 s=47
